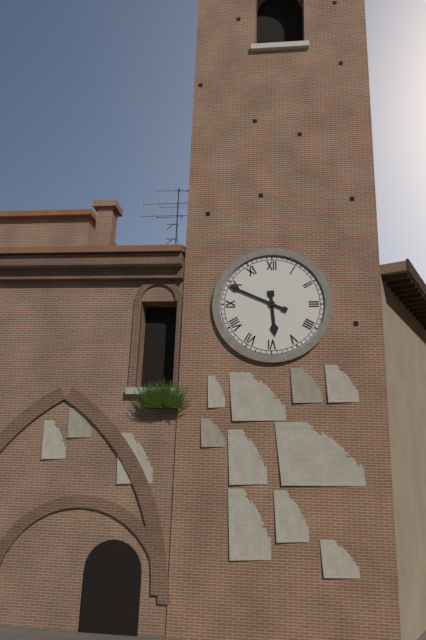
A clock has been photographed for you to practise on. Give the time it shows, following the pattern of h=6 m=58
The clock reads h=5 m=49
